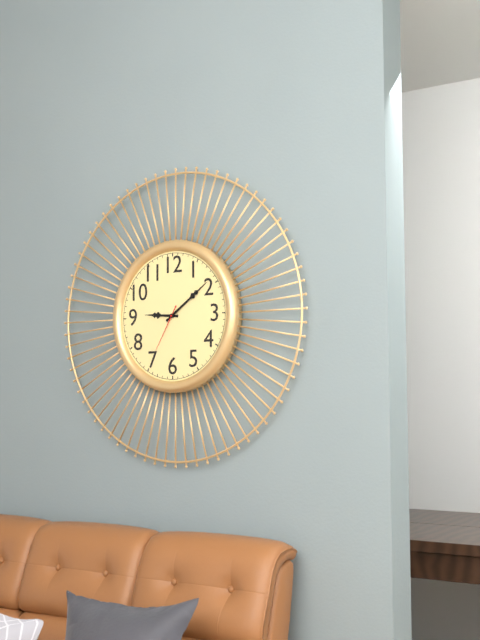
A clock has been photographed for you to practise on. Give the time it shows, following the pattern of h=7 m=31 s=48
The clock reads h=9 m=9 s=35
